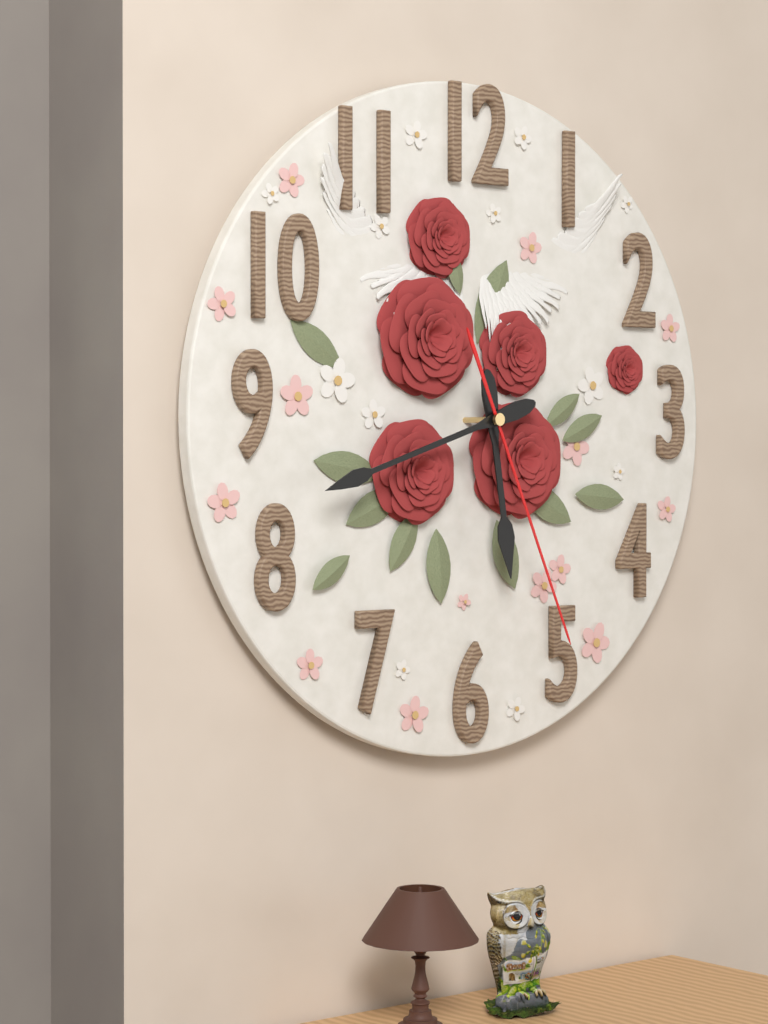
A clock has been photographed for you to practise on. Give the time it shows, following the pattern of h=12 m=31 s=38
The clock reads h=5 m=42 s=26
